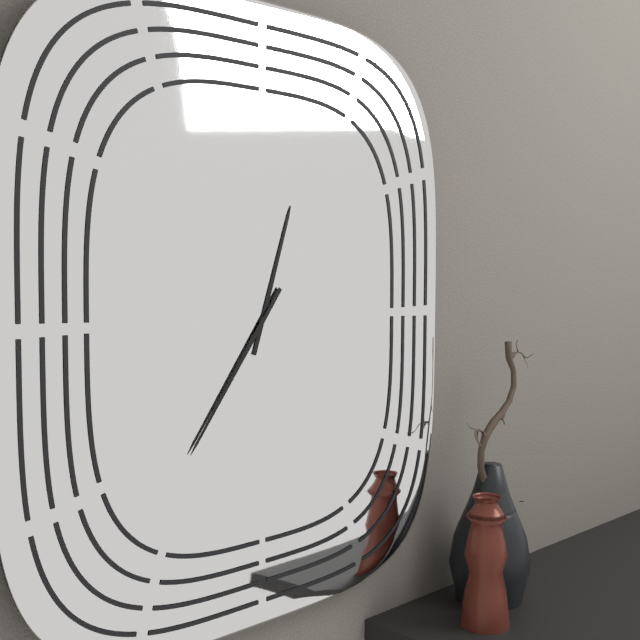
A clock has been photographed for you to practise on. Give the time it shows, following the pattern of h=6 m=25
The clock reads h=12 m=36
